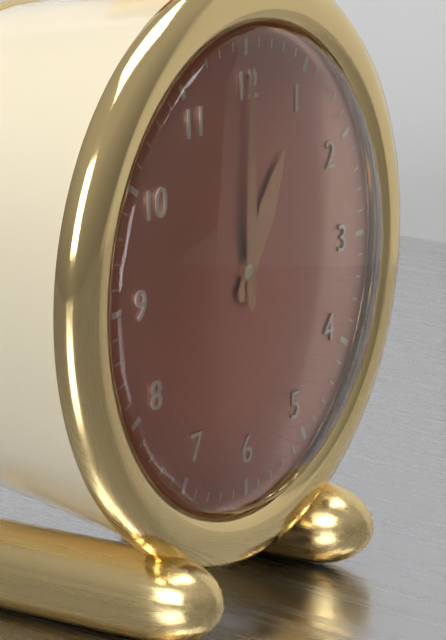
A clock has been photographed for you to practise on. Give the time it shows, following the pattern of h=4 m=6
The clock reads h=1 m=0
